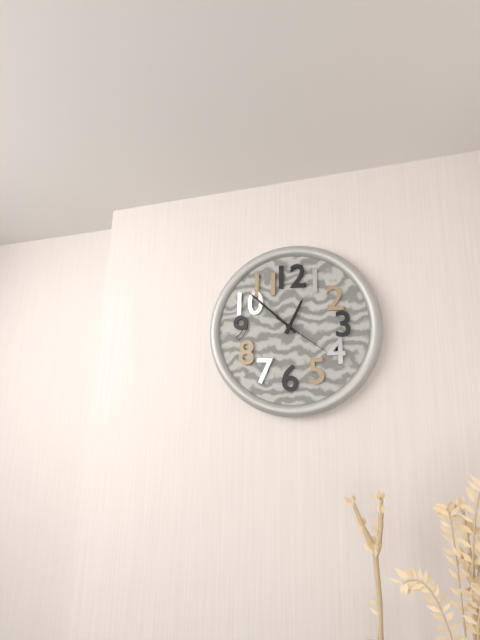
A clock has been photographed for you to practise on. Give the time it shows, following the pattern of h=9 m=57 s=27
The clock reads h=12 m=52 s=21
